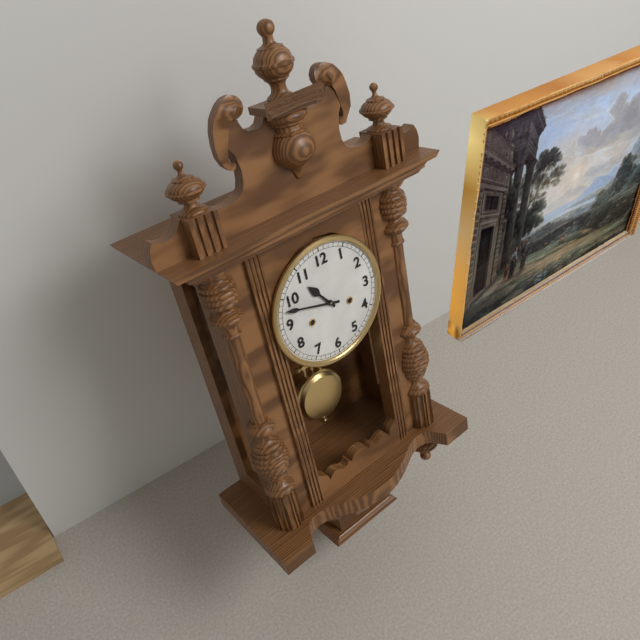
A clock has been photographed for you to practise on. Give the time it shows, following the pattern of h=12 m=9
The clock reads h=10 m=48
